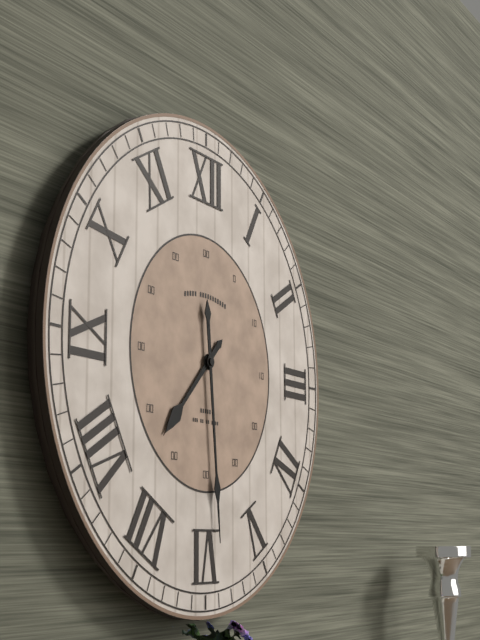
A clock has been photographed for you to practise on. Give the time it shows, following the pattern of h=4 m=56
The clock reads h=7 m=29
